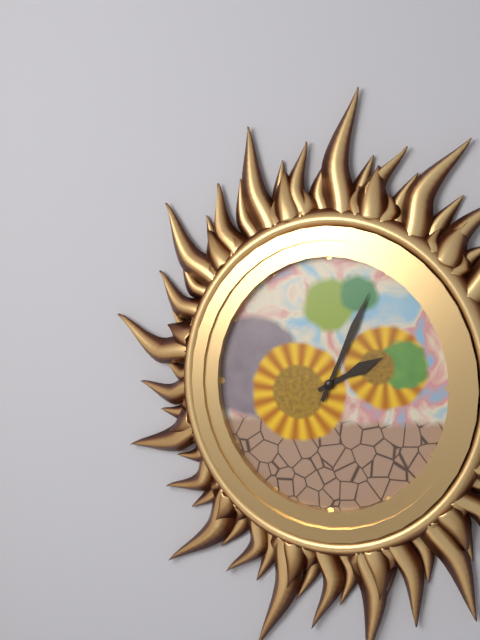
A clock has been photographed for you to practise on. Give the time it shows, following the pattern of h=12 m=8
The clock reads h=2 m=4
